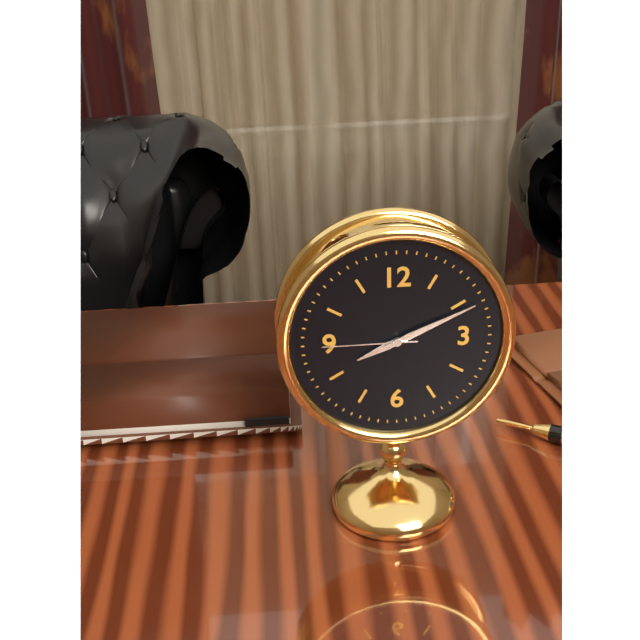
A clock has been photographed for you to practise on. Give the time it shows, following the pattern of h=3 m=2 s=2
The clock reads h=8 m=11 s=45
